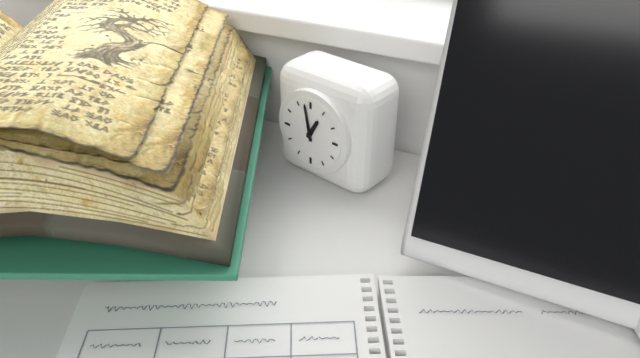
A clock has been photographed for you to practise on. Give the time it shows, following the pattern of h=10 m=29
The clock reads h=12 m=58
